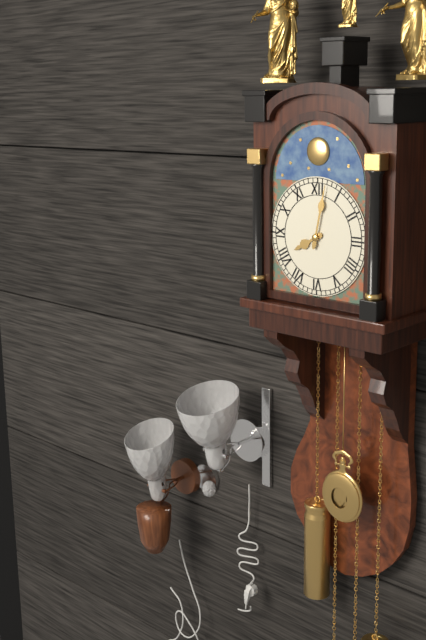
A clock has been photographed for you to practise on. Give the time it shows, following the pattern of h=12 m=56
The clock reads h=8 m=2
